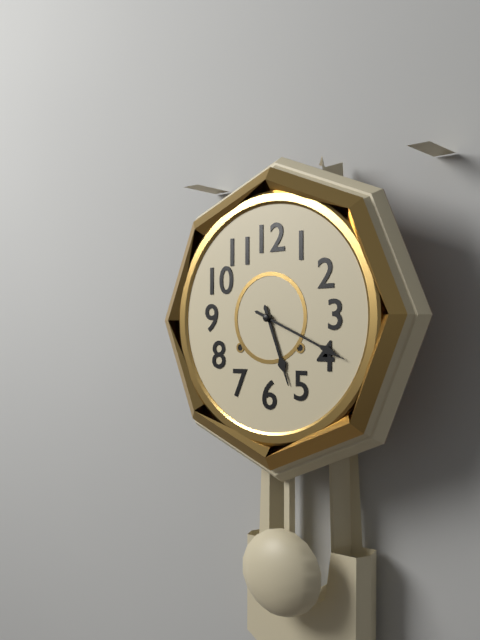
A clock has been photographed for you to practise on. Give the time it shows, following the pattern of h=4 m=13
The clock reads h=5 m=19
